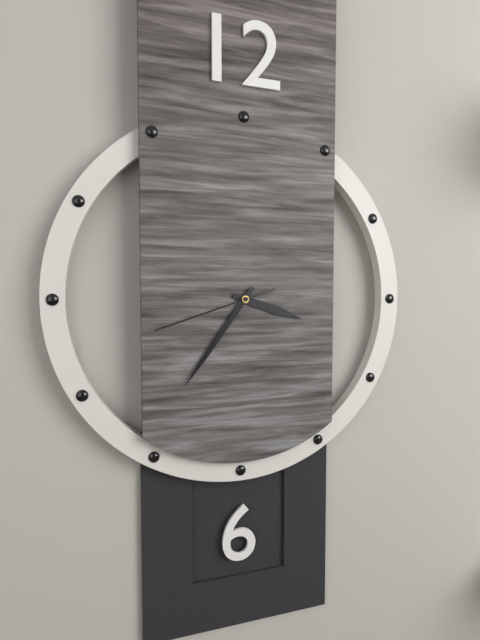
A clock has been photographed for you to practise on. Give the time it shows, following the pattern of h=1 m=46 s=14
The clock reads h=3 m=36 s=42
